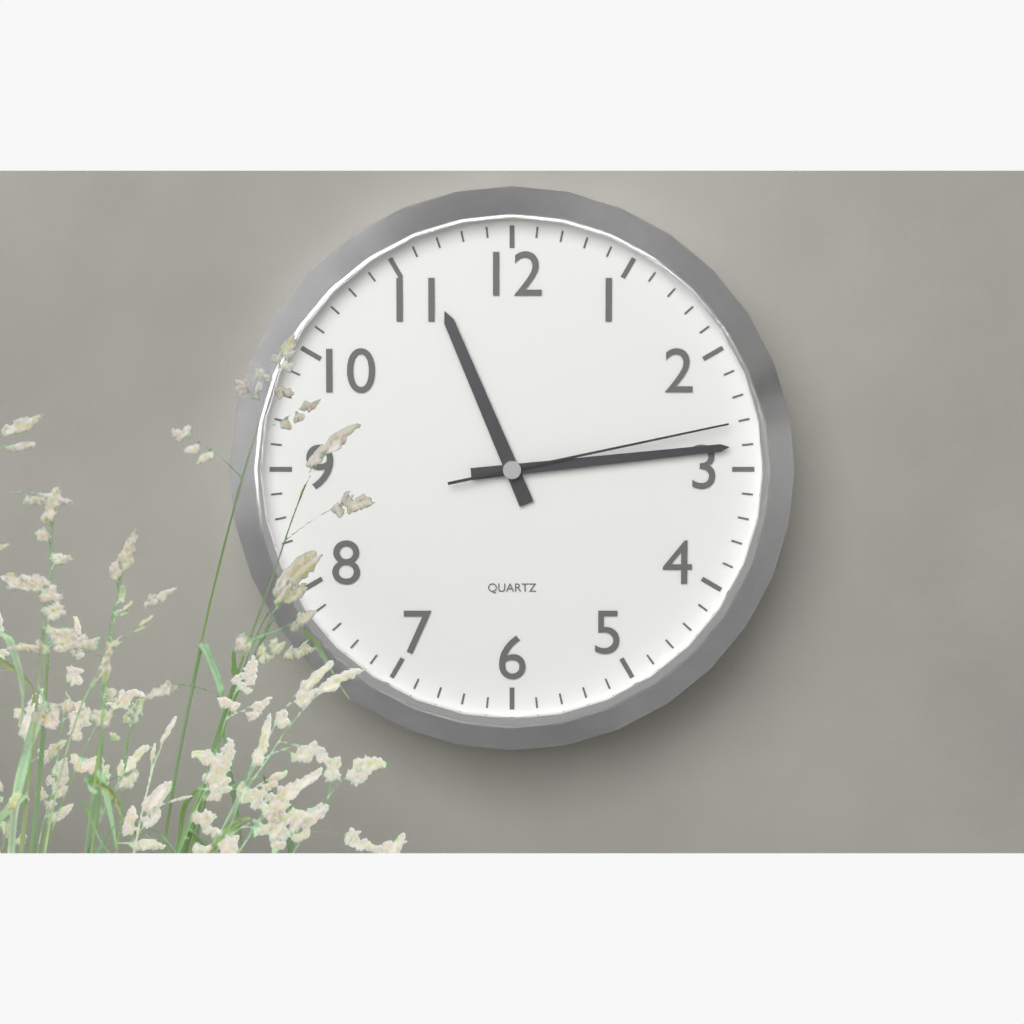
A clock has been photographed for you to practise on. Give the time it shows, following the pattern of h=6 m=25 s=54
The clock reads h=11 m=14 s=13
